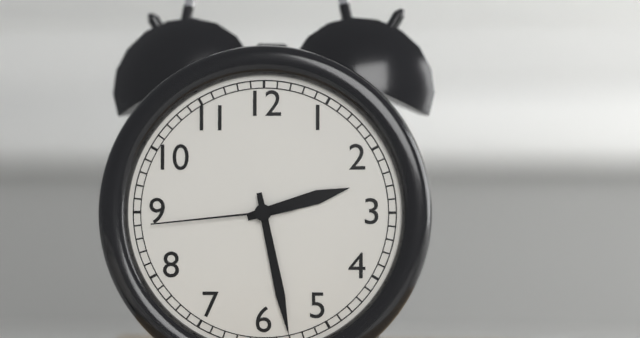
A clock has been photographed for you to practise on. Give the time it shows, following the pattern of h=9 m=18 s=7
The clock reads h=2 m=28 s=44
